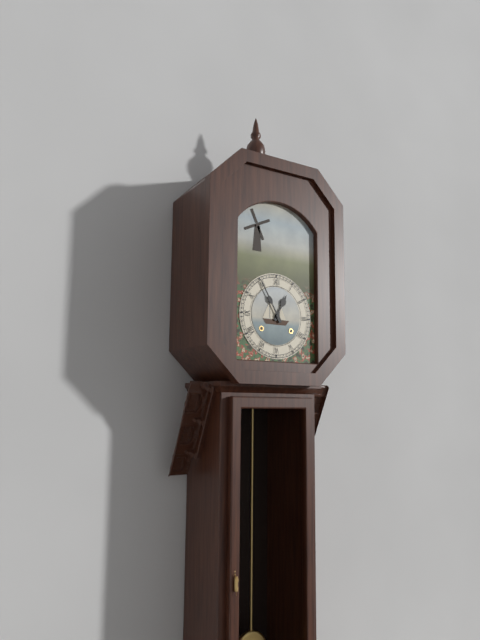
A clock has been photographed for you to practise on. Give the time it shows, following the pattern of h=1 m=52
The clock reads h=12 m=55
